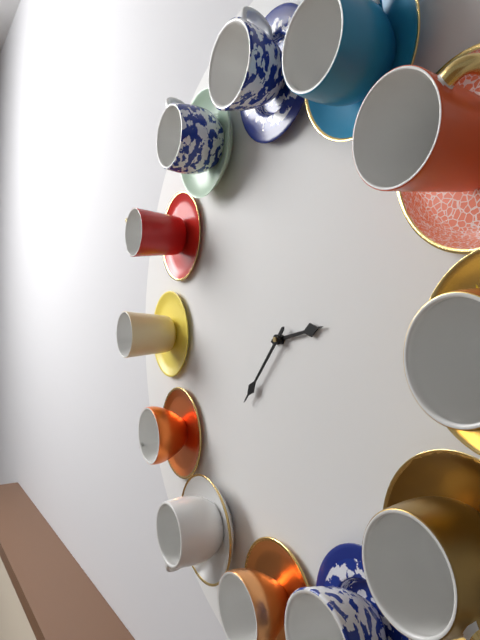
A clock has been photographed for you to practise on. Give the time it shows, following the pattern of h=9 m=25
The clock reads h=2 m=37
